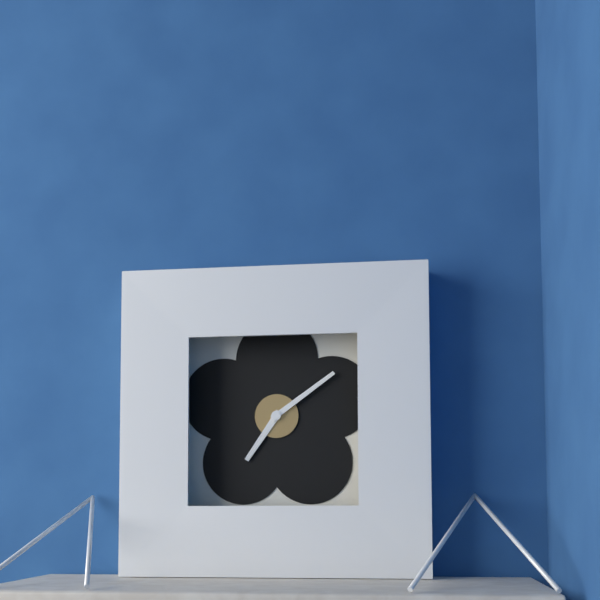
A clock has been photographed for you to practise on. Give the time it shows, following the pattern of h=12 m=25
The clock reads h=7 m=9
